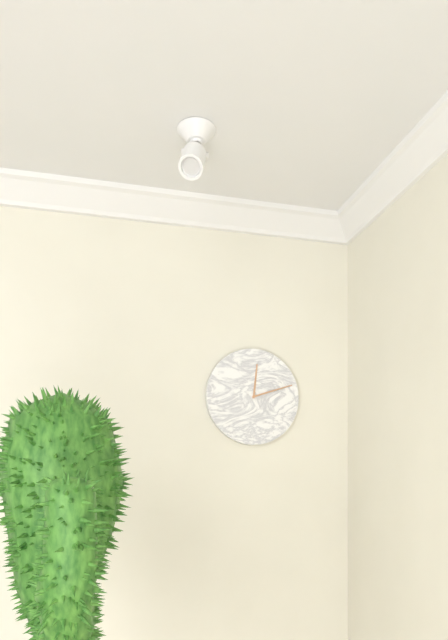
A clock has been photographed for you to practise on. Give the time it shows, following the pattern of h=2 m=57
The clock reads h=12 m=12
